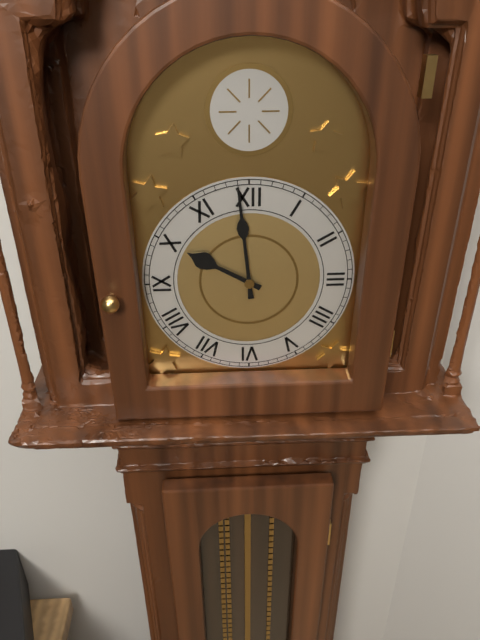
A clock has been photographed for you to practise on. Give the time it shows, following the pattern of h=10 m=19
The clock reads h=9 m=59
